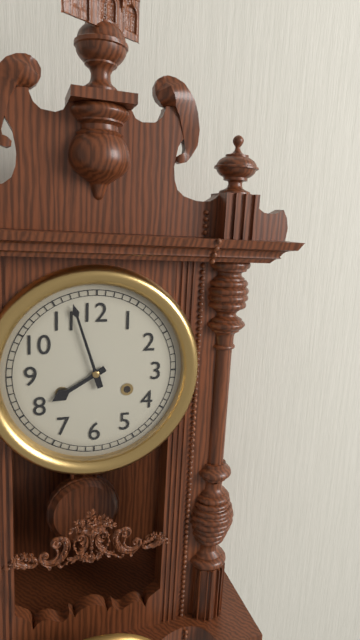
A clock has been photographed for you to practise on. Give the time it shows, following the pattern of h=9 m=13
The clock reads h=7 m=57
